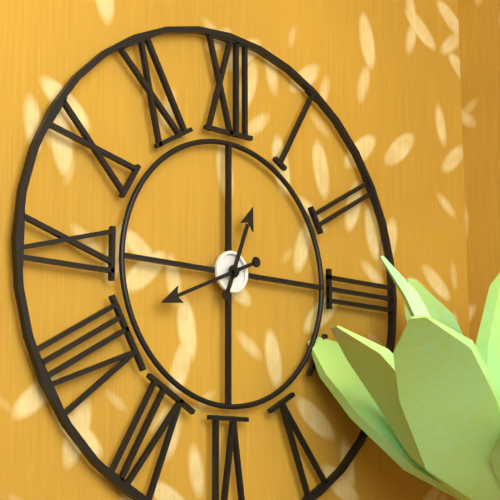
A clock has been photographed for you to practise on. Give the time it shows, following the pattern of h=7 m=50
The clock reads h=12 m=41
